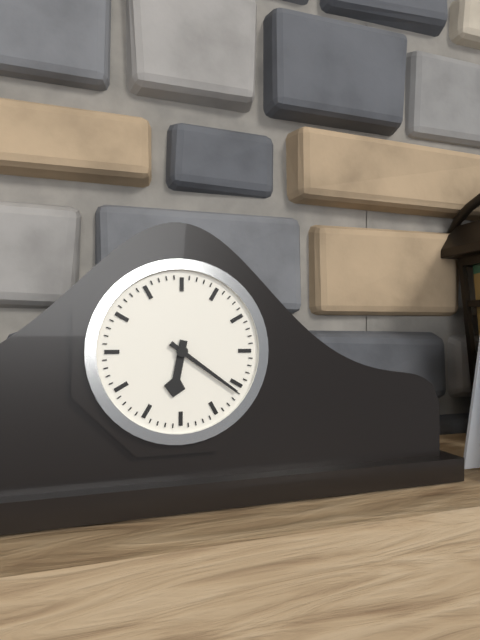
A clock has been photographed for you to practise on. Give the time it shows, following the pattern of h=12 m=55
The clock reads h=6 m=21
